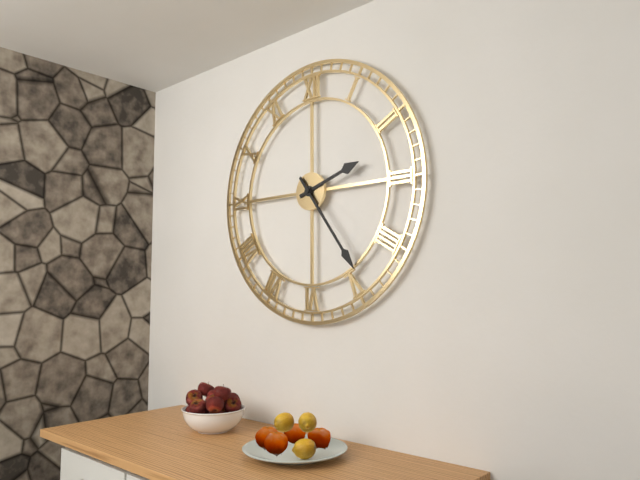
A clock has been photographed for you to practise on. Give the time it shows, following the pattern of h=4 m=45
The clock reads h=2 m=24
